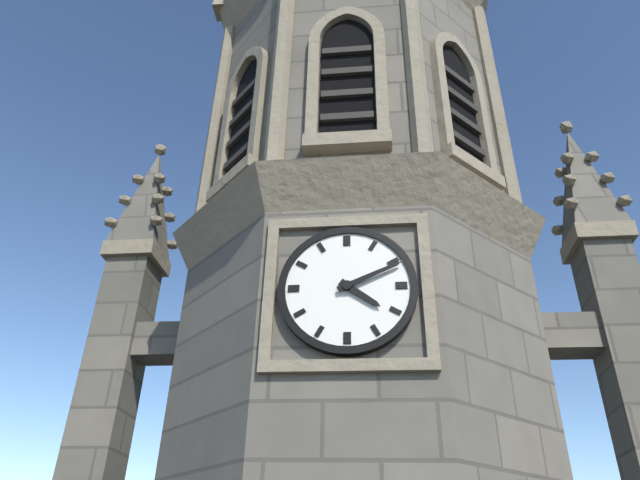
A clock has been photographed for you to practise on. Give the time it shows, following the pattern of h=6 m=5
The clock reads h=4 m=11
